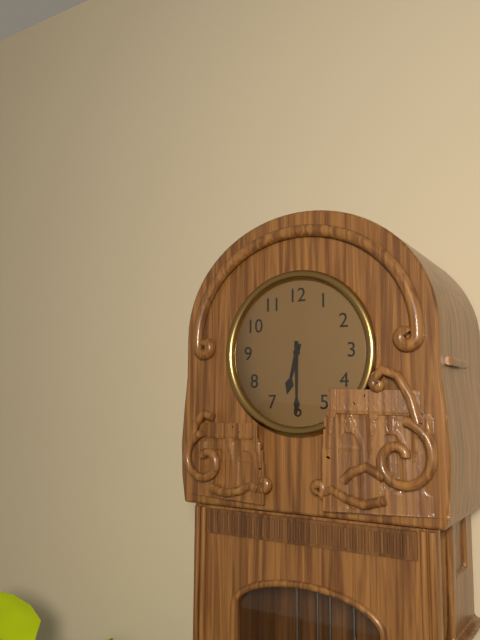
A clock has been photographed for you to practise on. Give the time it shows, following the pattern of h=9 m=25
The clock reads h=6 m=30
